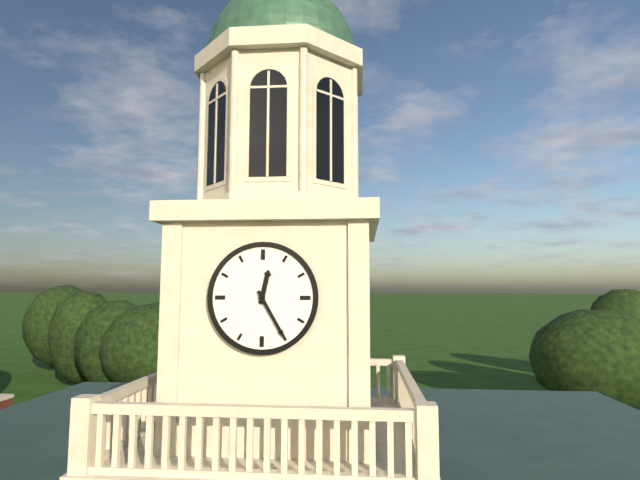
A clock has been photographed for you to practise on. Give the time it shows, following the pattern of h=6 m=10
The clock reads h=12 m=25
